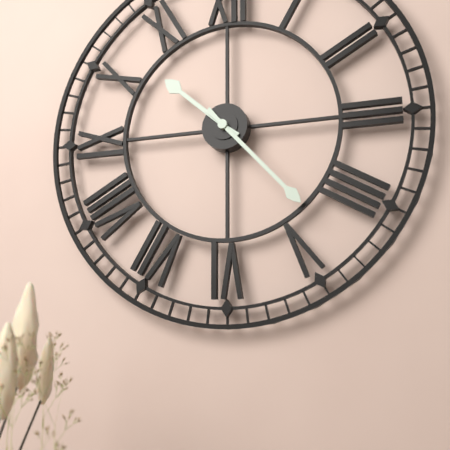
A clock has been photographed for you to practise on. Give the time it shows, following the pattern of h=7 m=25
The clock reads h=10 m=23
